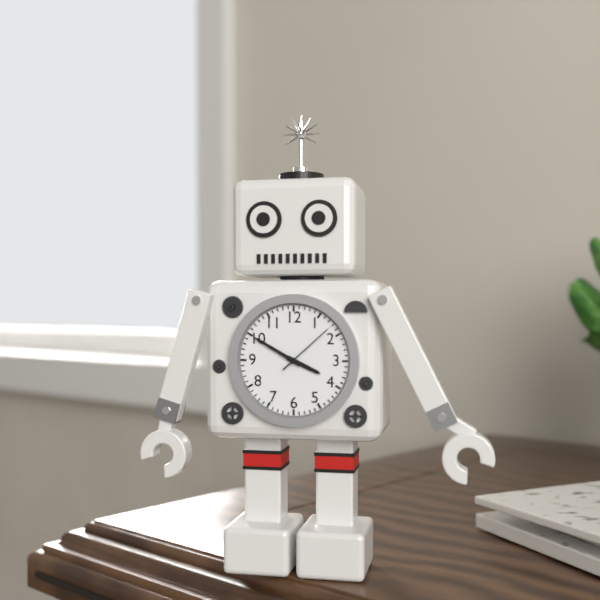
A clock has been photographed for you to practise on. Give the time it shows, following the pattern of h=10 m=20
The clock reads h=3 m=50
